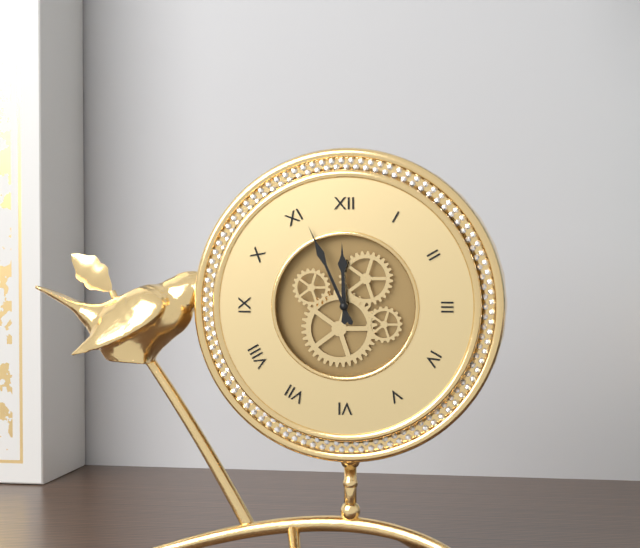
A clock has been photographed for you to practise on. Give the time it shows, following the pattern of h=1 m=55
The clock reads h=11 m=56
